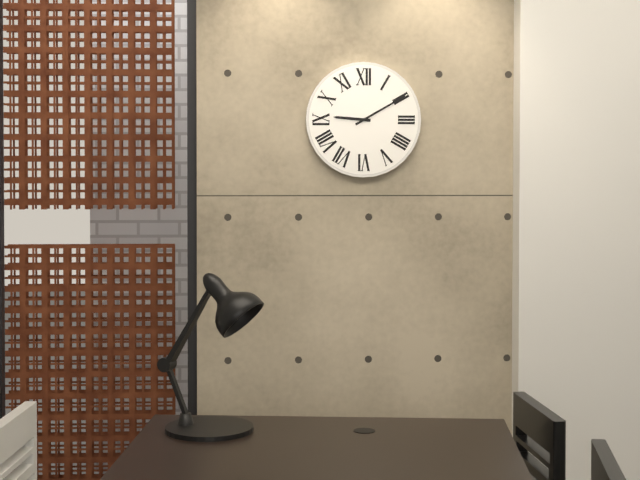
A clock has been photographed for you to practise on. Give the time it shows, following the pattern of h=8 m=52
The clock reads h=9 m=10
